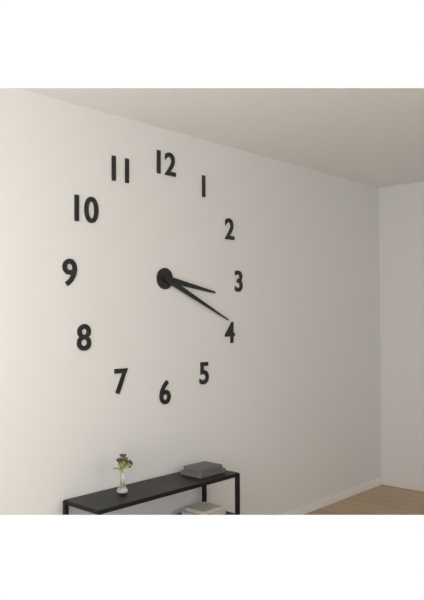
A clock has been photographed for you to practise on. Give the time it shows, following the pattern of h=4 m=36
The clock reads h=3 m=19
